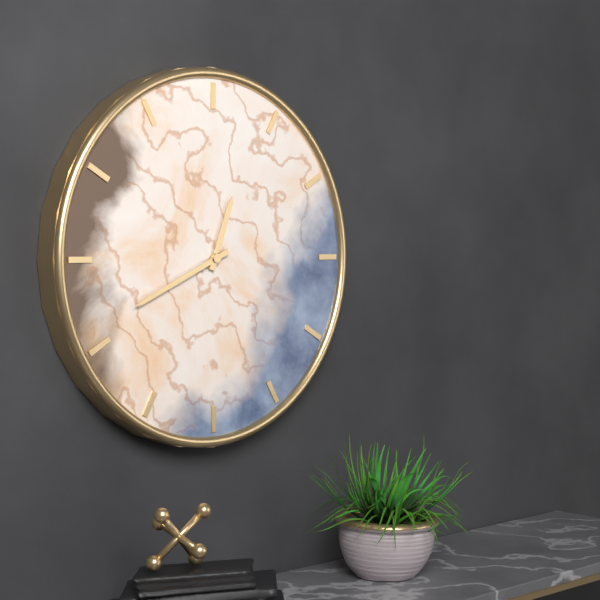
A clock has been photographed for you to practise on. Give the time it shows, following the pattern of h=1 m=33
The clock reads h=12 m=41
